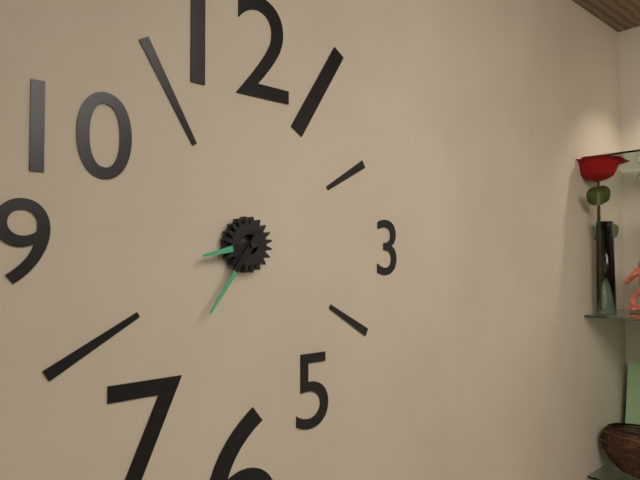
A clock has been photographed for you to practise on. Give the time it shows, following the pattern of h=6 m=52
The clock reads h=8 m=36
